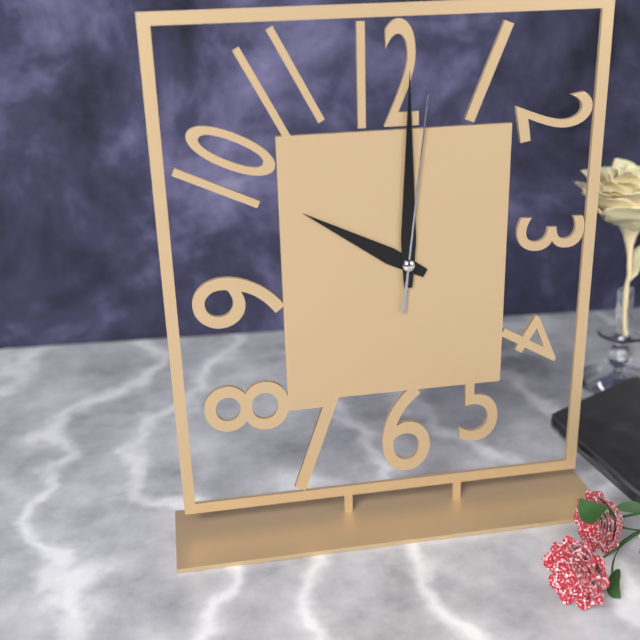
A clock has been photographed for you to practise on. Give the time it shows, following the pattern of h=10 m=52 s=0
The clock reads h=10 m=0 s=1
